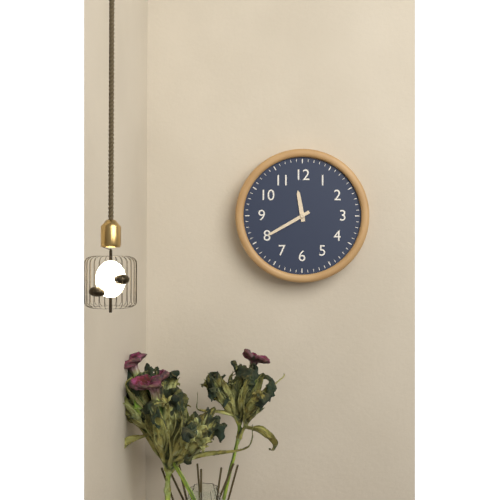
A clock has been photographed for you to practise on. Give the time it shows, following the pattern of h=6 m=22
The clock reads h=11 m=40
